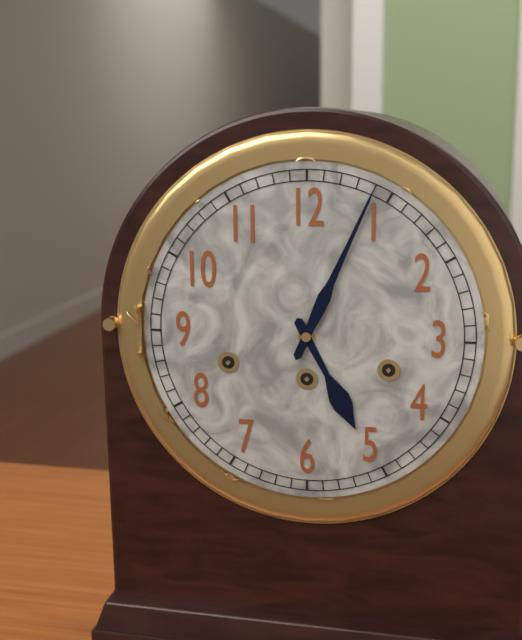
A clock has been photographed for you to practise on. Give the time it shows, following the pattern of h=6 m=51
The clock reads h=5 m=4
